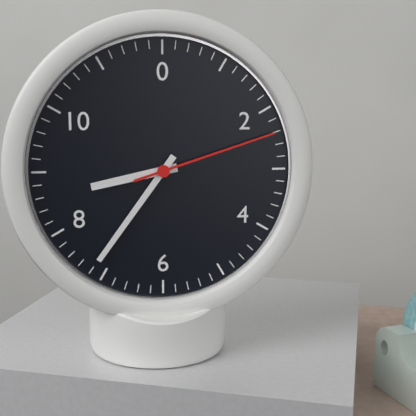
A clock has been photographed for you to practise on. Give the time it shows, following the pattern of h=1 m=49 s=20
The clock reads h=8 m=36 s=12
